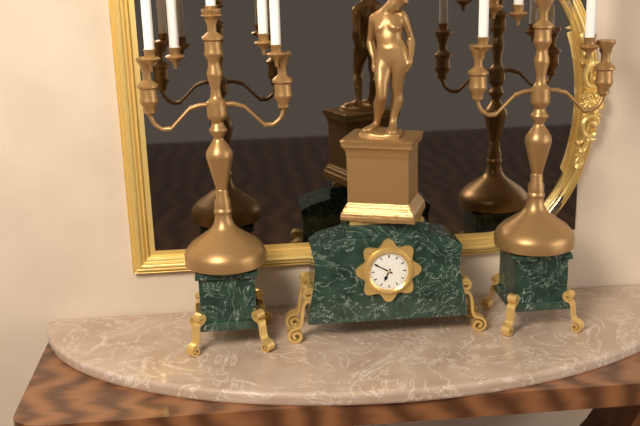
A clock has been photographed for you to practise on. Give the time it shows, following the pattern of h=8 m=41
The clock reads h=6 m=50
